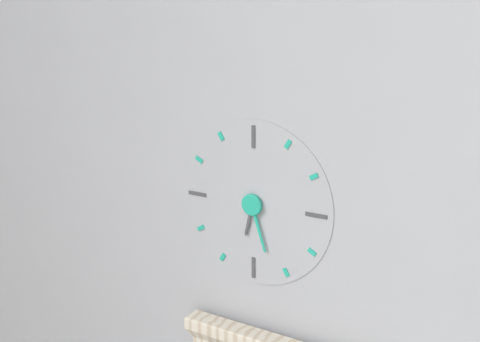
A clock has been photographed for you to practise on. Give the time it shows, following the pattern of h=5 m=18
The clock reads h=6 m=27
